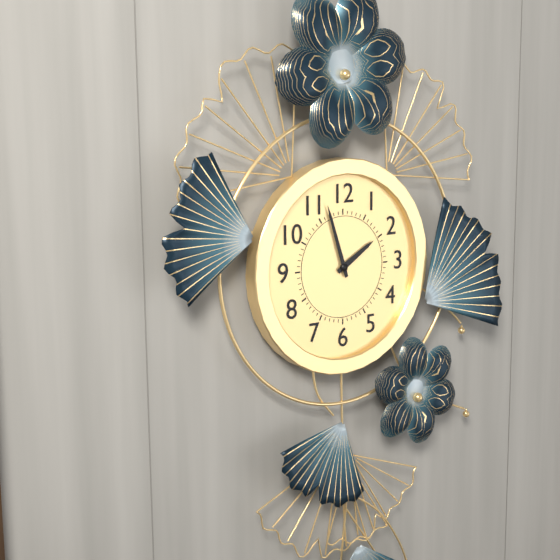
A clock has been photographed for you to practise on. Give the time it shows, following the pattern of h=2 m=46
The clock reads h=1 m=57
